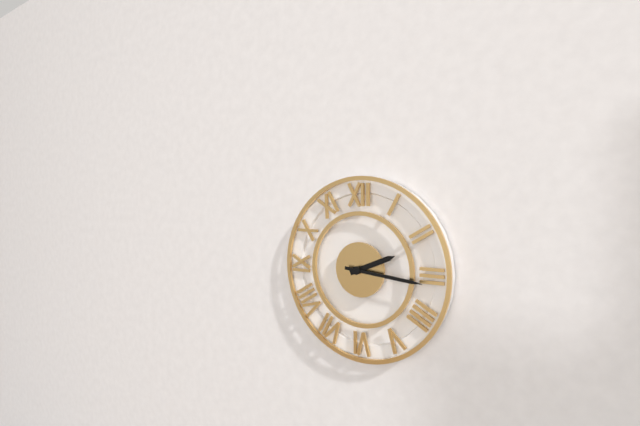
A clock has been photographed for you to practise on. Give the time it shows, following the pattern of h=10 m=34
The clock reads h=2 m=16
